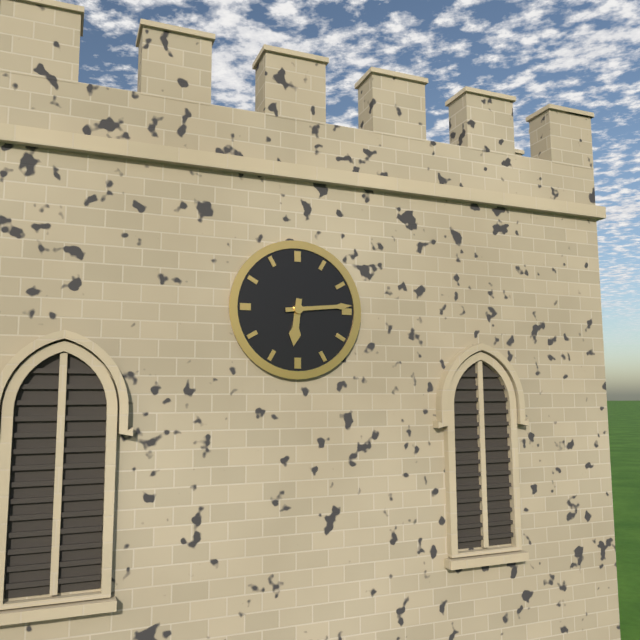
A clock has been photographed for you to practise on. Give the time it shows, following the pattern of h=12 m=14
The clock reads h=6 m=14
